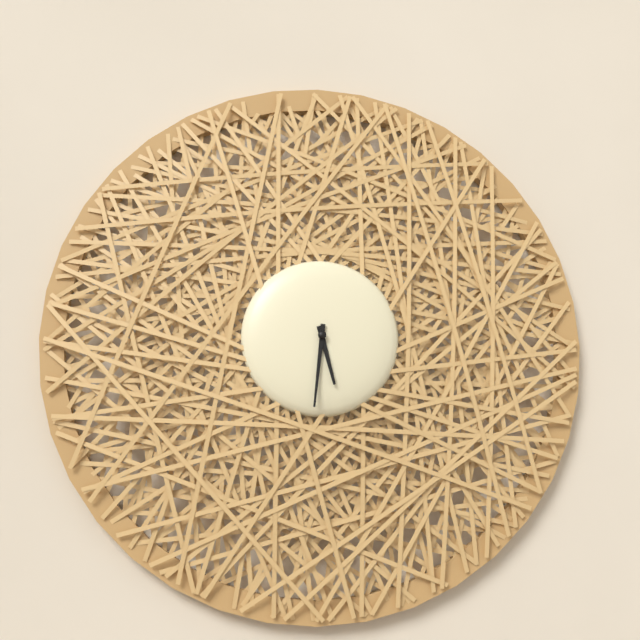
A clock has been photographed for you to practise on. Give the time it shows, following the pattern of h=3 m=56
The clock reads h=5 m=31
